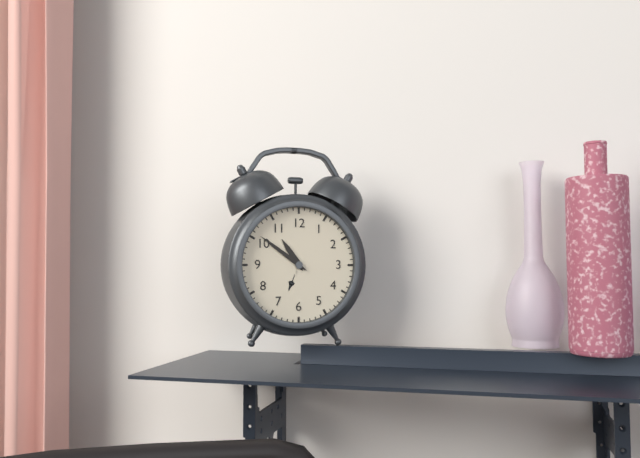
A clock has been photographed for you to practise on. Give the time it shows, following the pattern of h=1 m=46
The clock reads h=10 m=51
